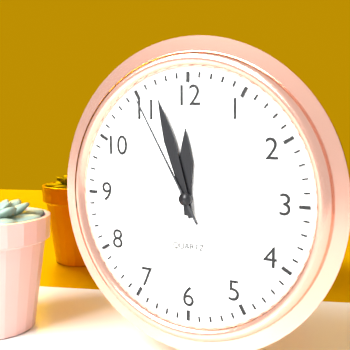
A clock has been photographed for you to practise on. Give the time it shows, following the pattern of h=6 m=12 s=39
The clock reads h=11 m=57 s=55
